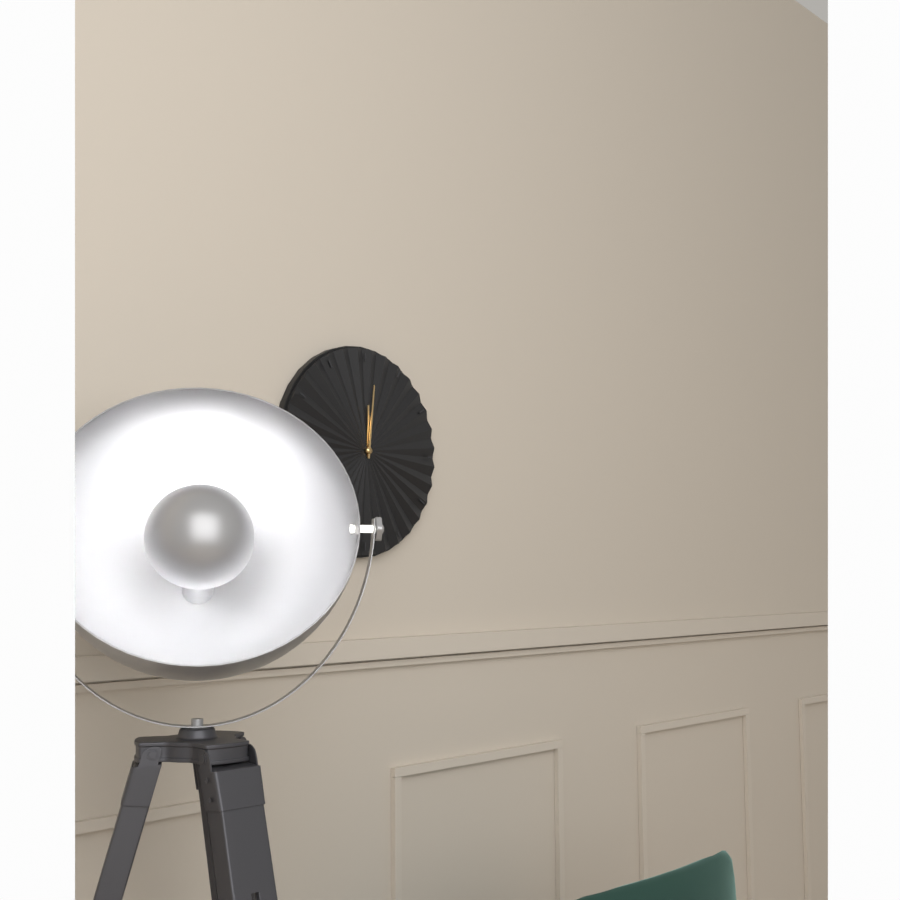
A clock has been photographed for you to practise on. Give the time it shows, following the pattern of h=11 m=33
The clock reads h=12 m=1
